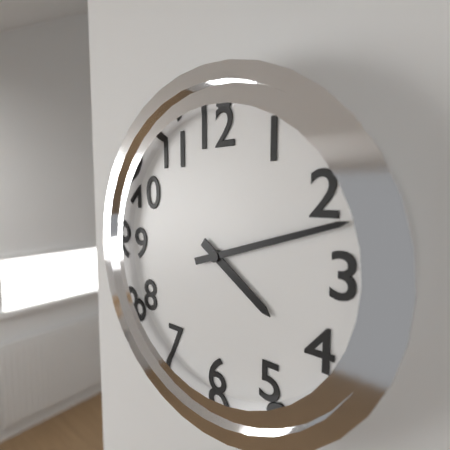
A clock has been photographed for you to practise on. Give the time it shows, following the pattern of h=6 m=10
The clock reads h=4 m=12
